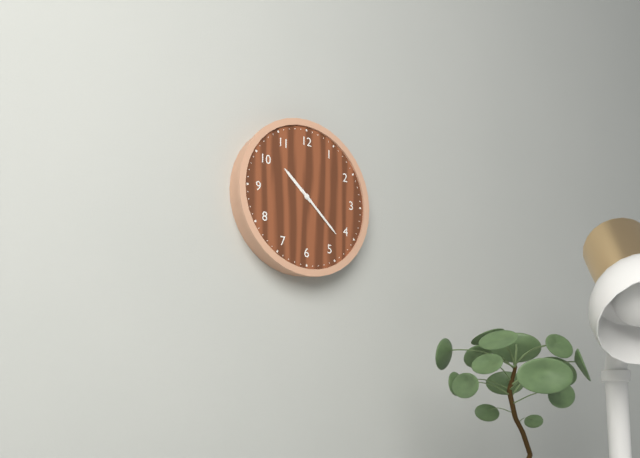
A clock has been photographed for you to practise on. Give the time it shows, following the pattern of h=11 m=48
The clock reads h=10 m=22
